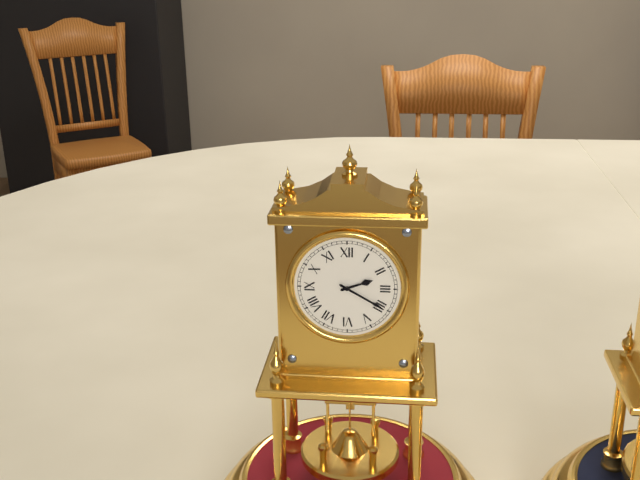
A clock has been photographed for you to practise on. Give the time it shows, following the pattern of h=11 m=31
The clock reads h=2 m=20
